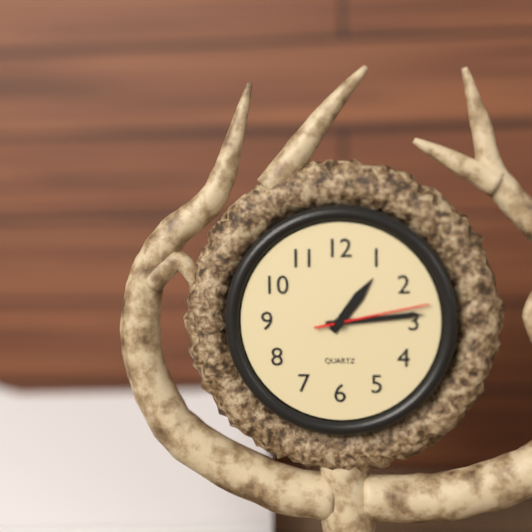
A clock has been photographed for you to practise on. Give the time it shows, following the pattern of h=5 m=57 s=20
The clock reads h=1 m=14 s=13
